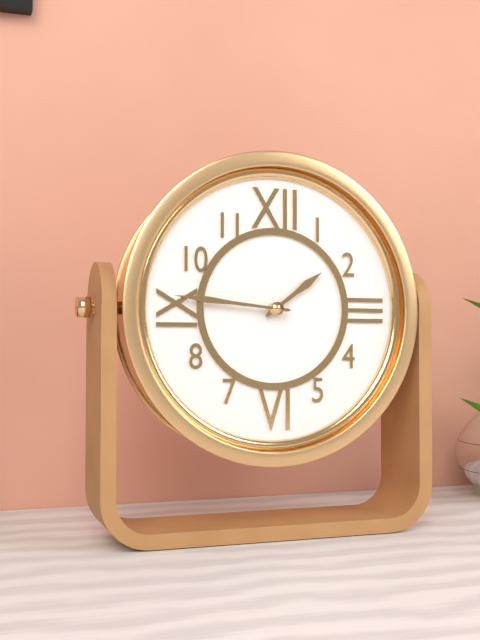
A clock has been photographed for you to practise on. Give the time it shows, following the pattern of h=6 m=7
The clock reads h=1 m=46
